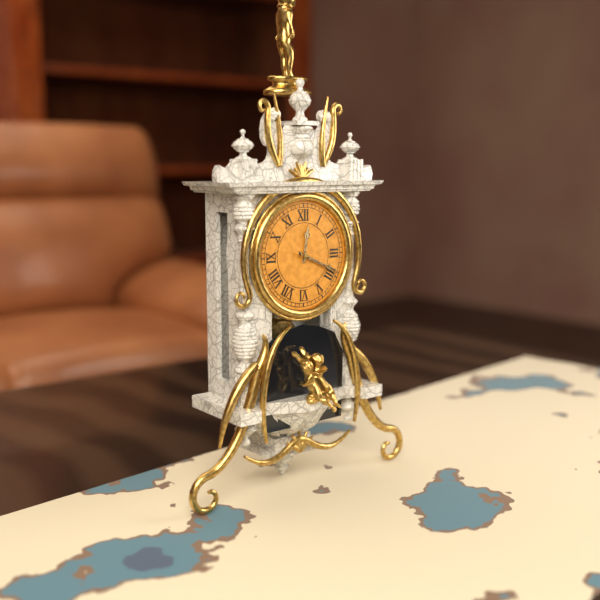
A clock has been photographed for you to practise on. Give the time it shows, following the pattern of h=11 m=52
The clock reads h=12 m=19
